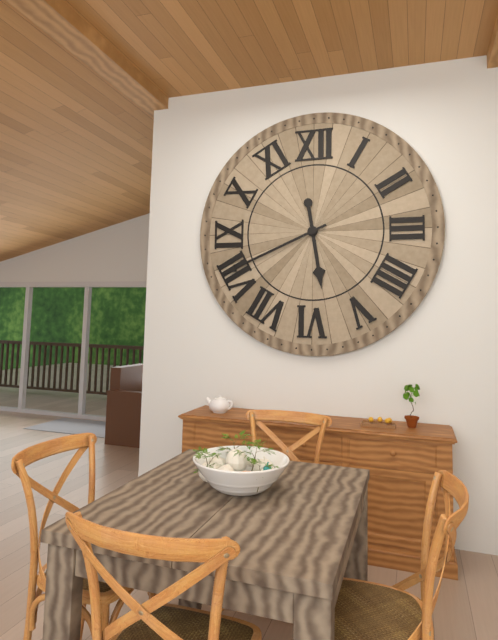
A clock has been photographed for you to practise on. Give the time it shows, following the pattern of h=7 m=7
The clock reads h=5 m=41
